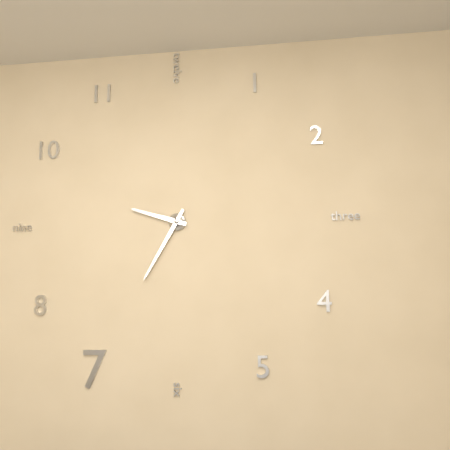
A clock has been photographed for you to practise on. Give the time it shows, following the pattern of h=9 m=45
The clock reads h=9 m=35
